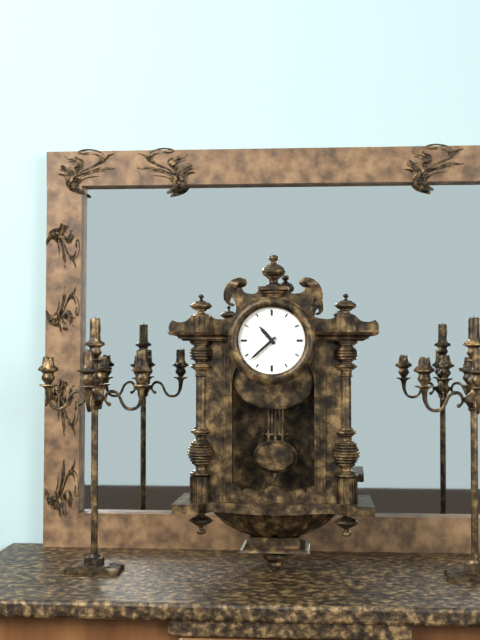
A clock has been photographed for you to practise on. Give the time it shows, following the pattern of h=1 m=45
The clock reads h=10 m=38
